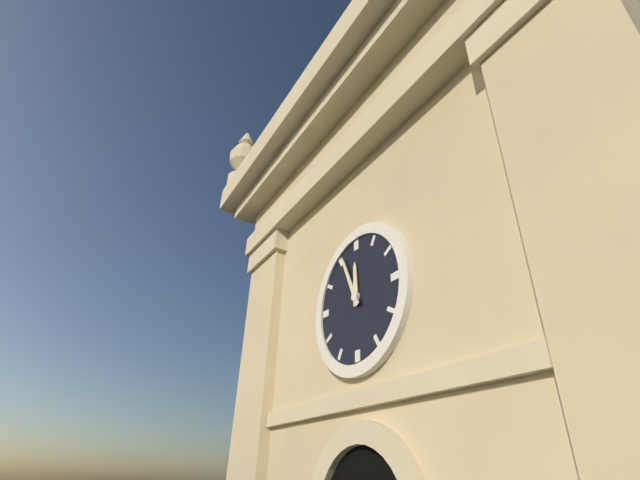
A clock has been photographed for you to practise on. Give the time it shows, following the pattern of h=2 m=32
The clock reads h=11 m=56
